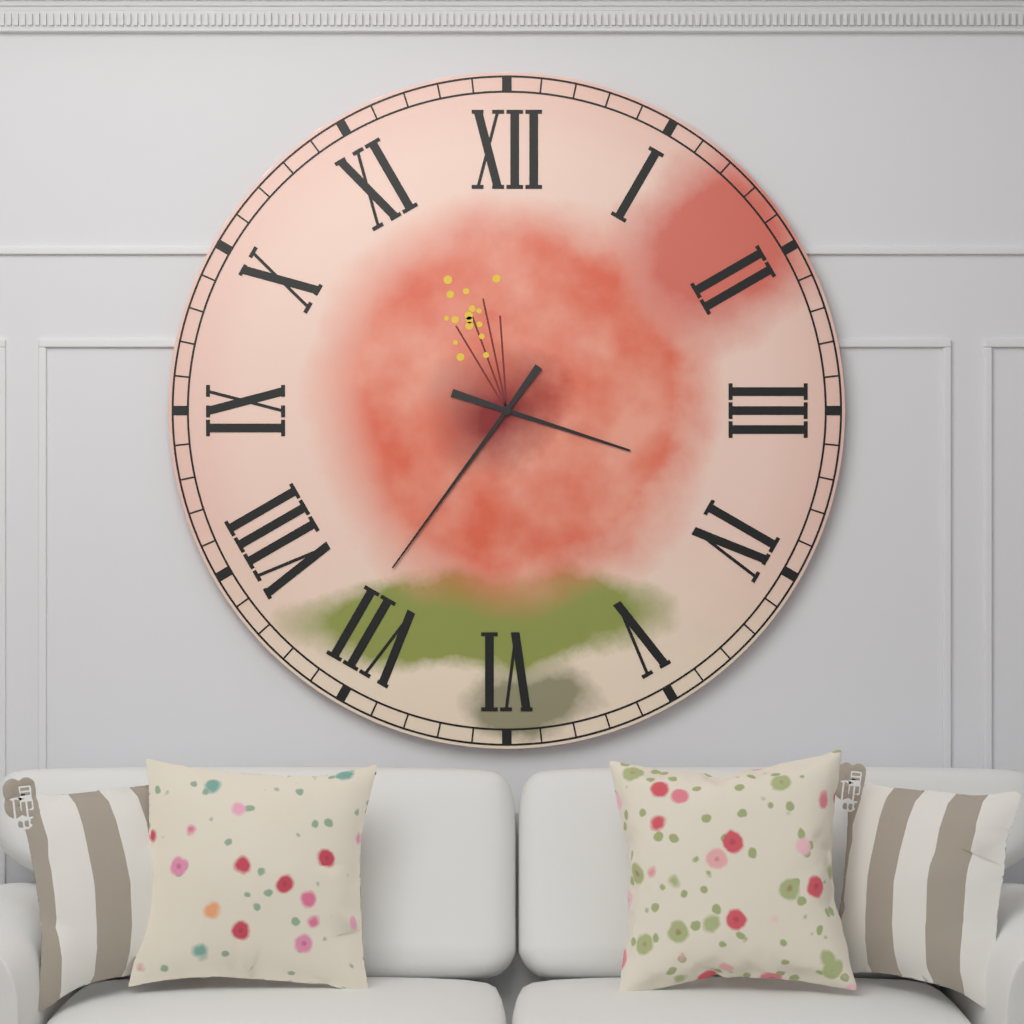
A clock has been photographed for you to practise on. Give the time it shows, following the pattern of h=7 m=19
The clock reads h=3 m=36
